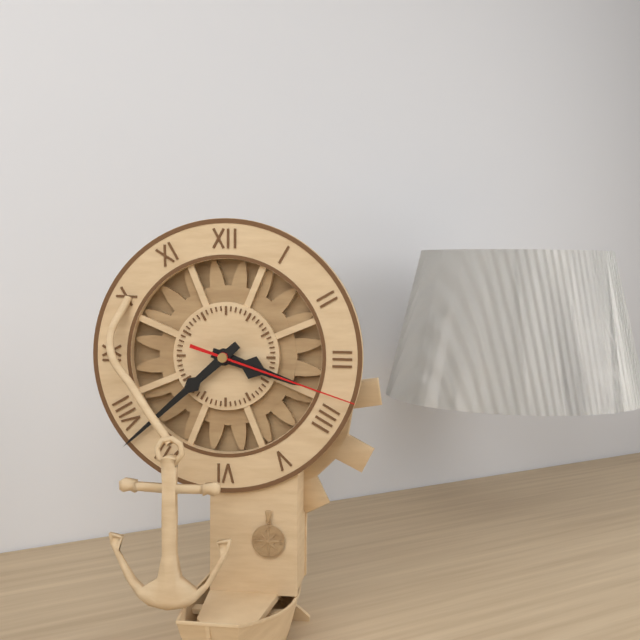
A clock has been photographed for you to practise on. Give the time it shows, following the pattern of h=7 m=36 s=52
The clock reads h=3 m=38 s=18
